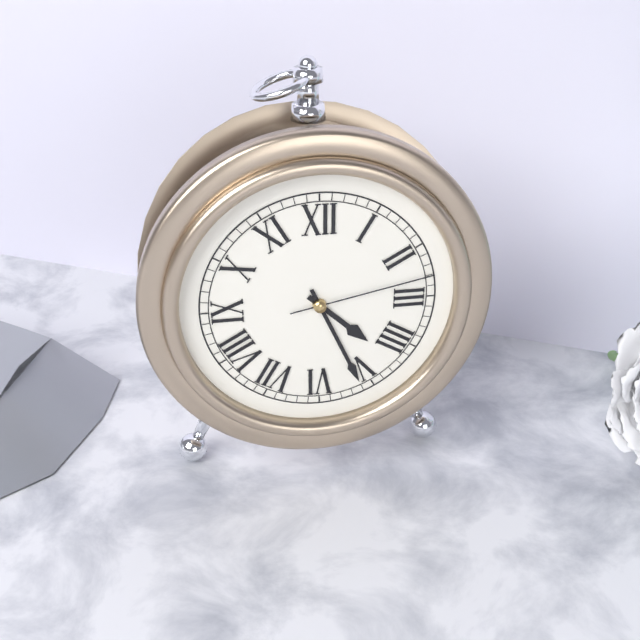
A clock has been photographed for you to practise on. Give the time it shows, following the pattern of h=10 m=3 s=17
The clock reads h=4 m=26 s=13
